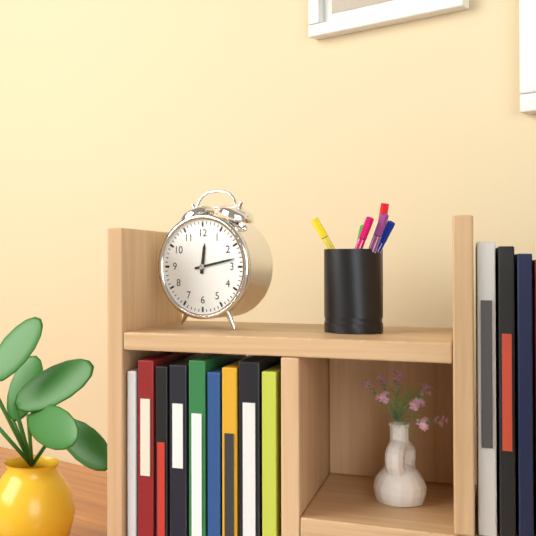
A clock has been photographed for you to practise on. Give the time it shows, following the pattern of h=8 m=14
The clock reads h=12 m=13
